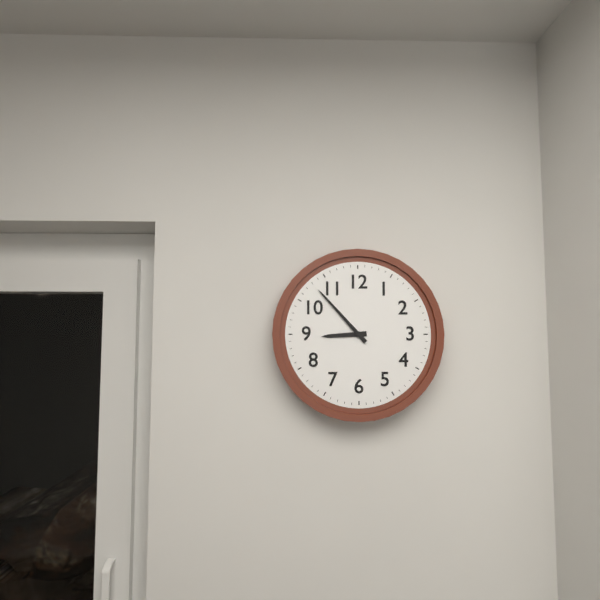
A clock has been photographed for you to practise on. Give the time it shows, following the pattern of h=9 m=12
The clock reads h=8 m=53
